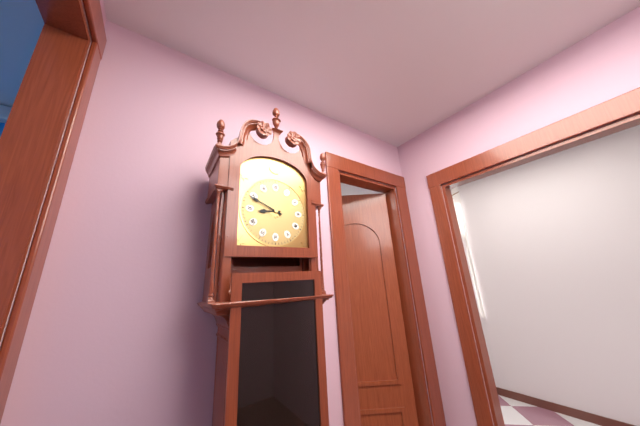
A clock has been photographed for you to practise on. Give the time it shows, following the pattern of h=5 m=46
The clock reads h=8 m=49
